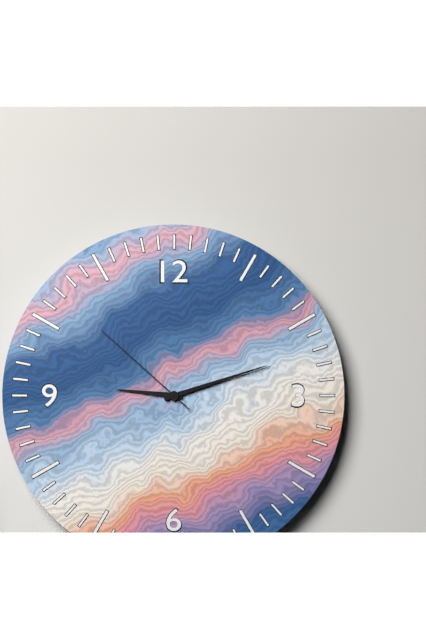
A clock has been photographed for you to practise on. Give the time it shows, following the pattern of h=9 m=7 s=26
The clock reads h=9 m=12 s=52
